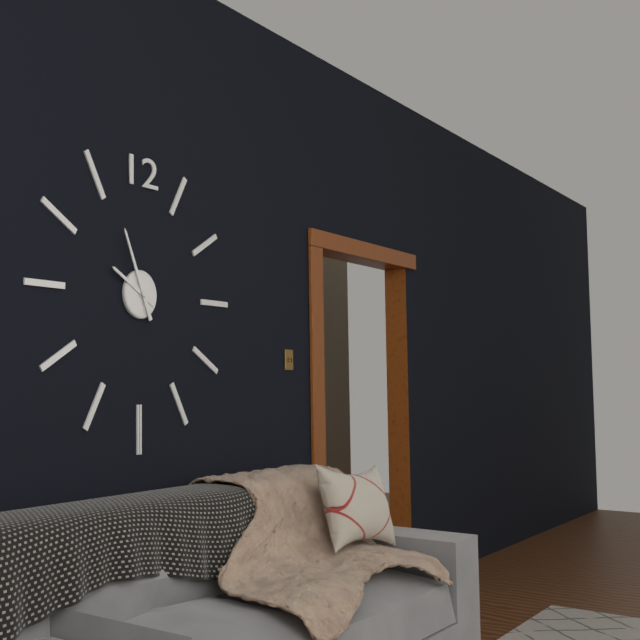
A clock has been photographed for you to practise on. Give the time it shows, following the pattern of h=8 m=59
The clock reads h=9 m=56
